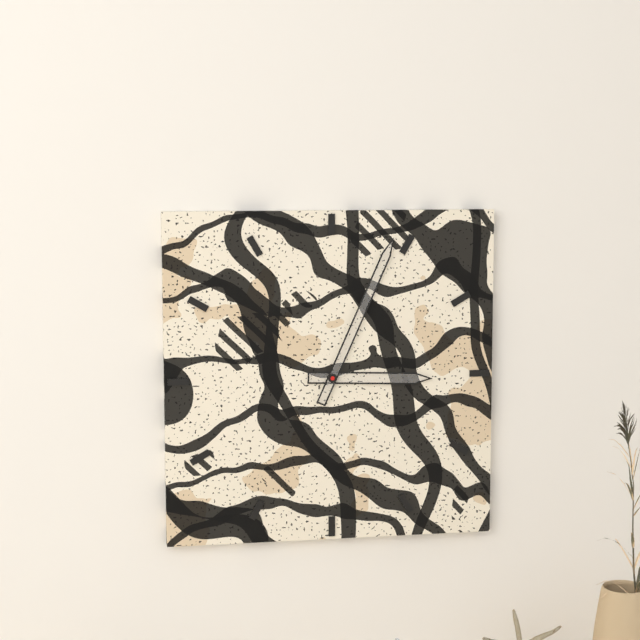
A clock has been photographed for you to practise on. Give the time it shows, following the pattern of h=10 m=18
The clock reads h=3 m=4
